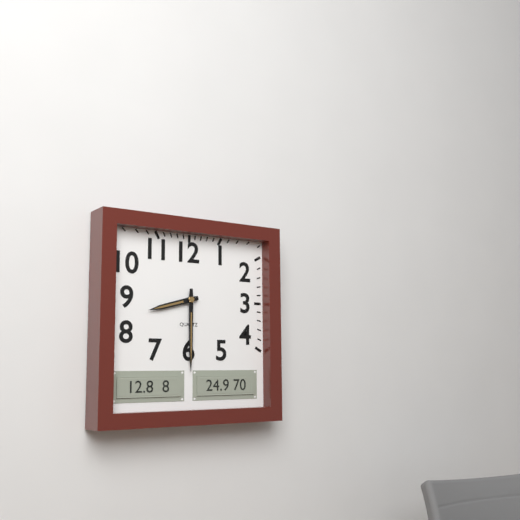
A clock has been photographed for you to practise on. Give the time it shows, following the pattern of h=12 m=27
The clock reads h=8 m=30
